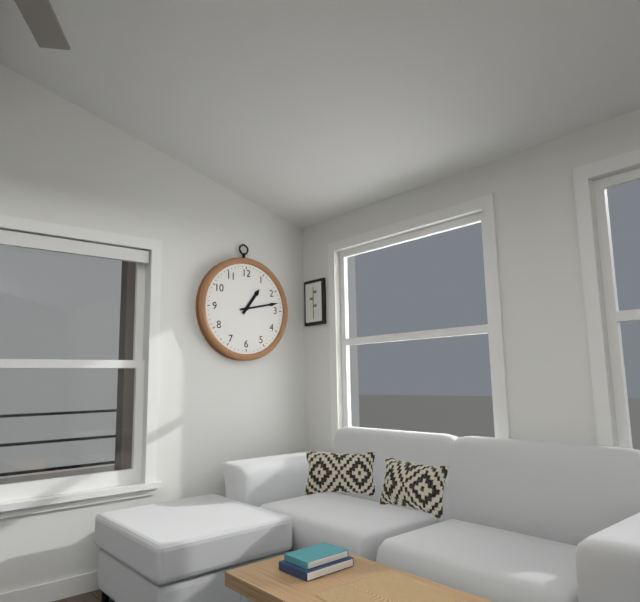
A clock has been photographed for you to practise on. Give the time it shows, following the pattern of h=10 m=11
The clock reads h=1 m=13
